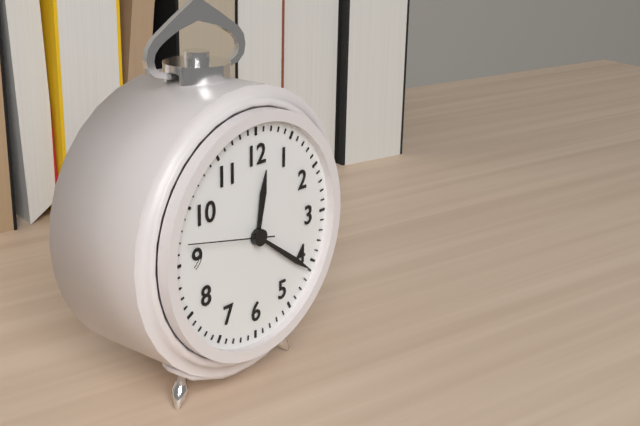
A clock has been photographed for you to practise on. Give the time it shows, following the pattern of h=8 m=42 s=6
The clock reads h=12 m=21 s=47
